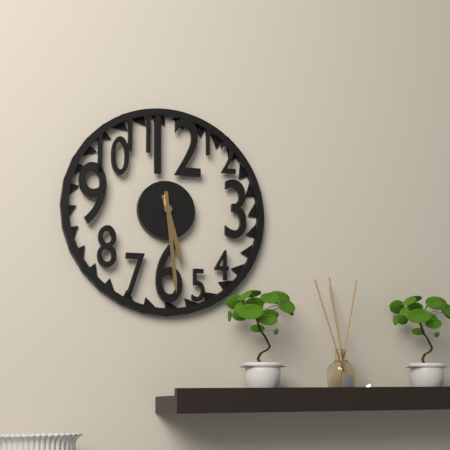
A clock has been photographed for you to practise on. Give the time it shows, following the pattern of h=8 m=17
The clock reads h=5 m=29
